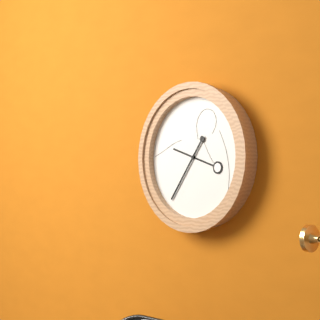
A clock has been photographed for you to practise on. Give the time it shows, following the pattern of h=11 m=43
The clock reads h=9 m=36
